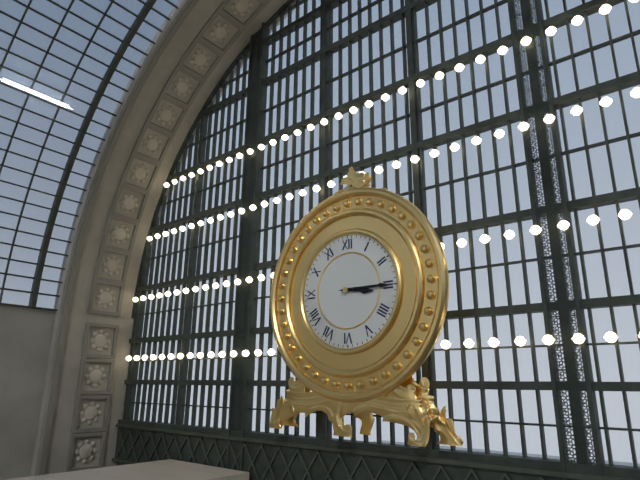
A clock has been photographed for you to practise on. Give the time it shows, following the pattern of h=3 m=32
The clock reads h=3 m=15
